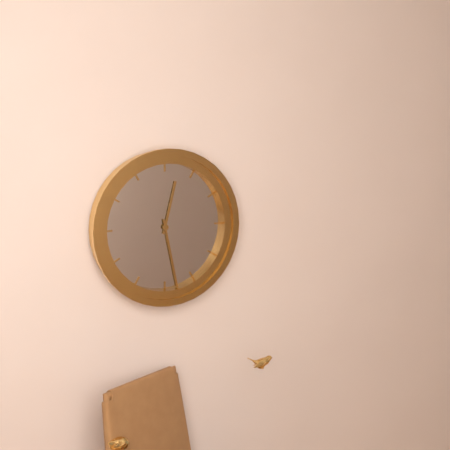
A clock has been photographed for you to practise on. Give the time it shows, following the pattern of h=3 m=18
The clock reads h=12 m=28
